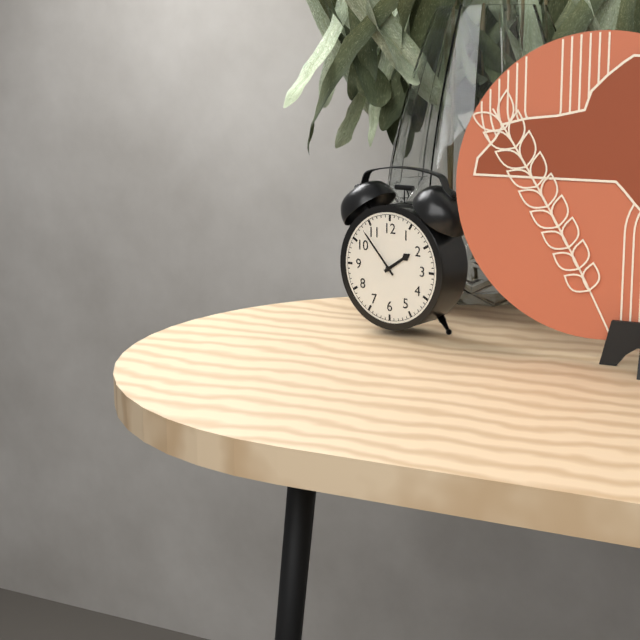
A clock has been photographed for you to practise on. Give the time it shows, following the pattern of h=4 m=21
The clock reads h=1 m=53
